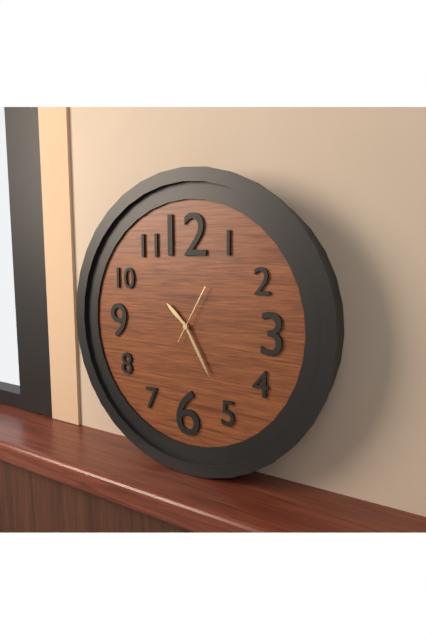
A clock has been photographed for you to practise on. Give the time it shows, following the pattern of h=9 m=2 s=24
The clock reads h=10 m=25 s=5
